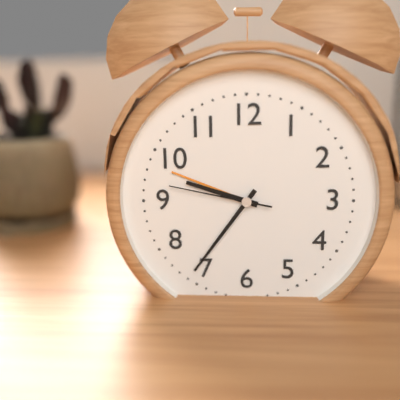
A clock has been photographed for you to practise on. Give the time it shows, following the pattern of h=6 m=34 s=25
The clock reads h=9 m=36 s=47
